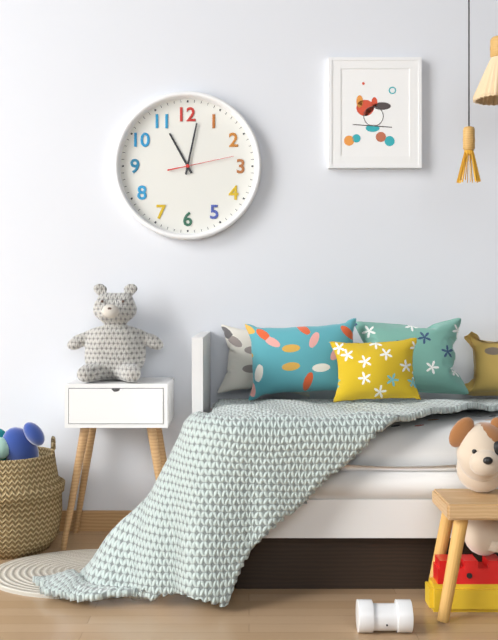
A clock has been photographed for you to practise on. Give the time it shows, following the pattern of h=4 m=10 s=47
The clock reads h=11 m=2 s=13
